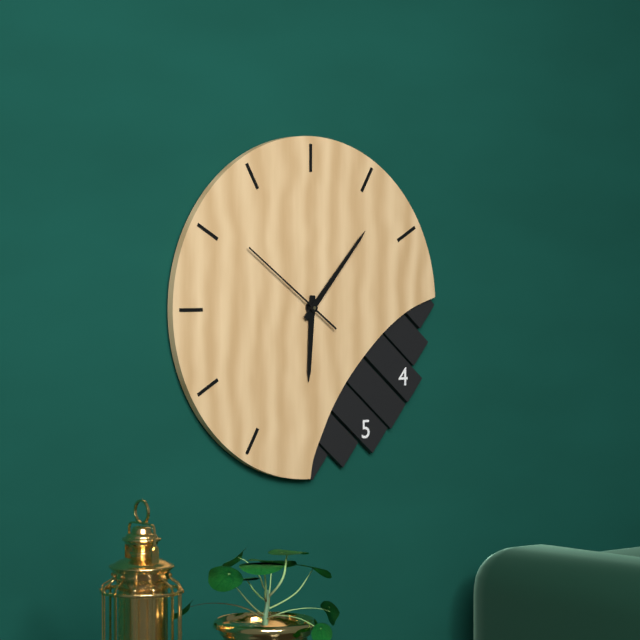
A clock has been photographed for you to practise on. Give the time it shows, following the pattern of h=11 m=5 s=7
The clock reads h=6 m=7 s=51
